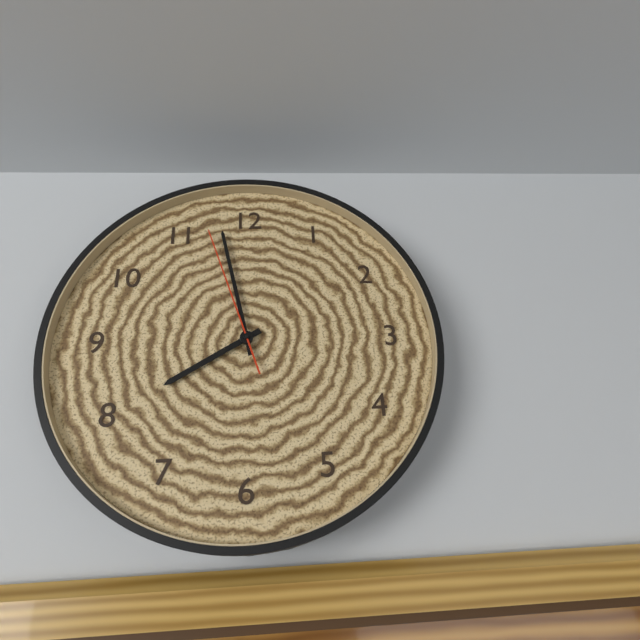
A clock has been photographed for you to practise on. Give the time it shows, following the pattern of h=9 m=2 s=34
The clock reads h=7 m=58 s=57
